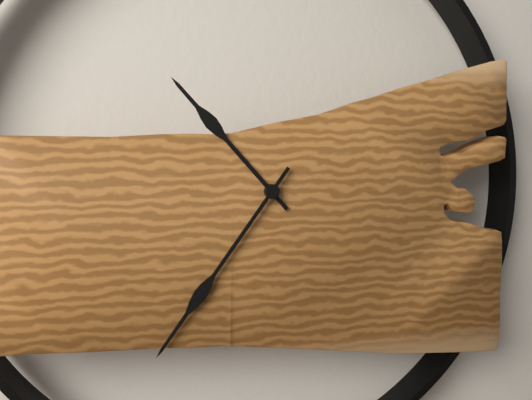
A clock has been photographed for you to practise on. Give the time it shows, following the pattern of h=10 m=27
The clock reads h=10 m=36
